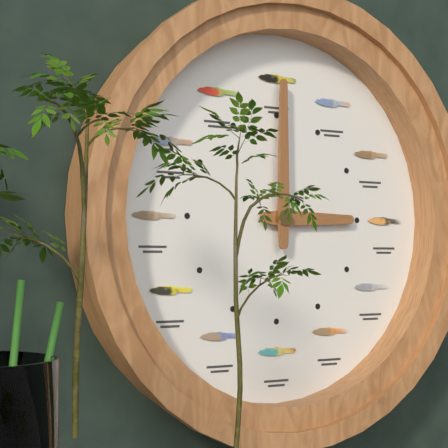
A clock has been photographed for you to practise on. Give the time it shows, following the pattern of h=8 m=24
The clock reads h=3 m=0
